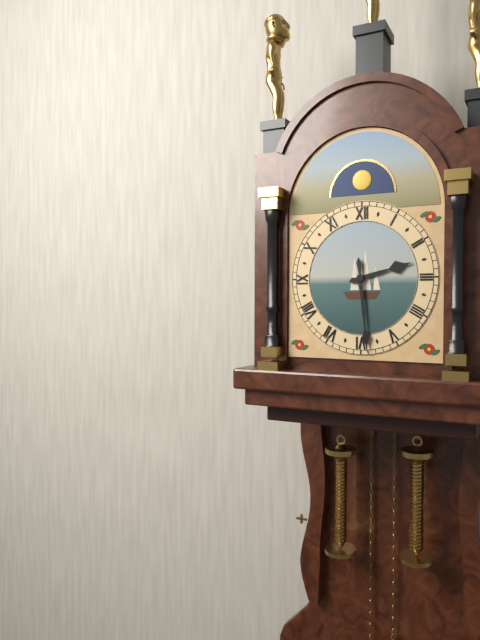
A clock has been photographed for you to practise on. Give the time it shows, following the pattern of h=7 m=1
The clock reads h=2 m=29
